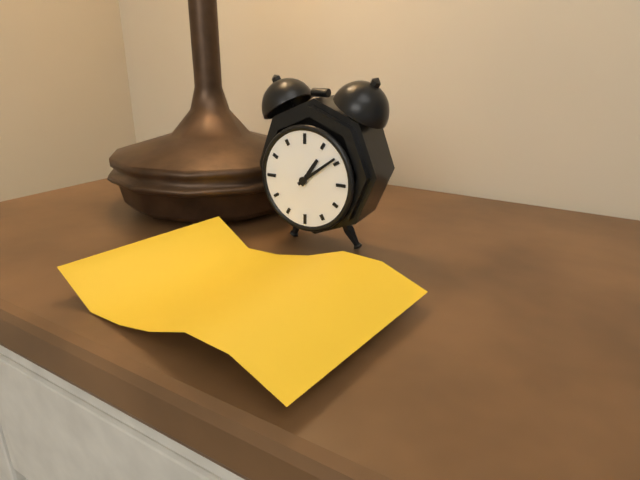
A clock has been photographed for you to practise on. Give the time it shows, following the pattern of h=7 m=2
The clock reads h=1 m=9
